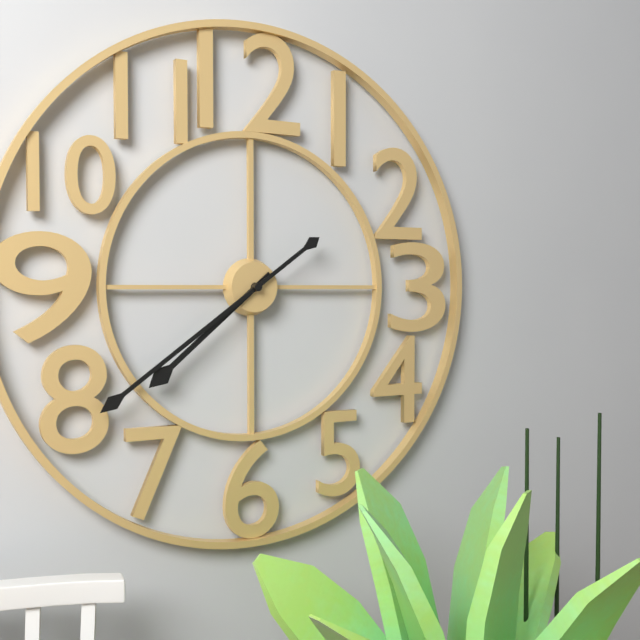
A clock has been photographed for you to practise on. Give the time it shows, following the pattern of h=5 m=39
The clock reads h=7 m=39
